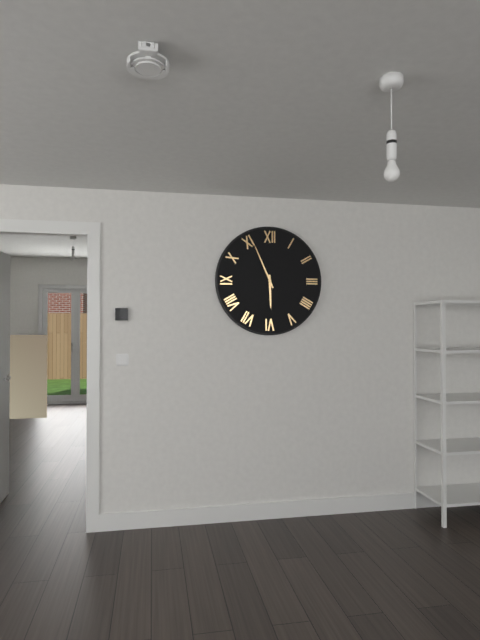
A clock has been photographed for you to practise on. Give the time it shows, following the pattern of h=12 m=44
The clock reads h=5 m=56
